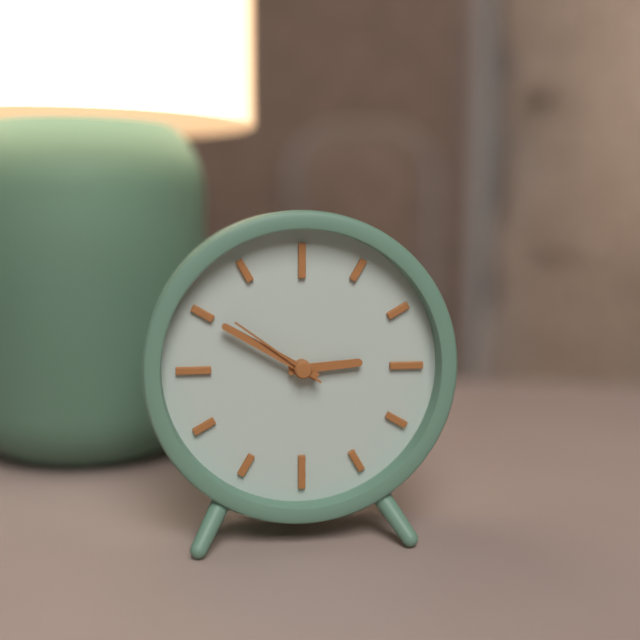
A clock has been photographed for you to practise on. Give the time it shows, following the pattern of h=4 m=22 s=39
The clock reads h=2 m=50 s=51
